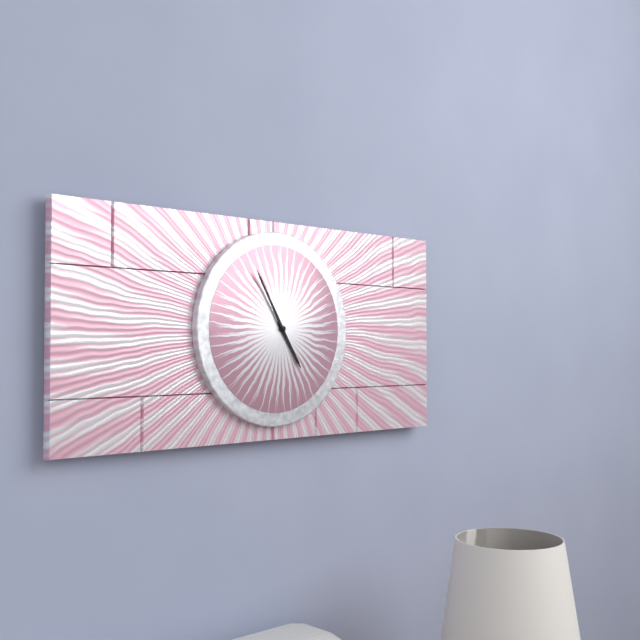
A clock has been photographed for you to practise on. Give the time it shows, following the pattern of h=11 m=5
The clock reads h=4 m=55
